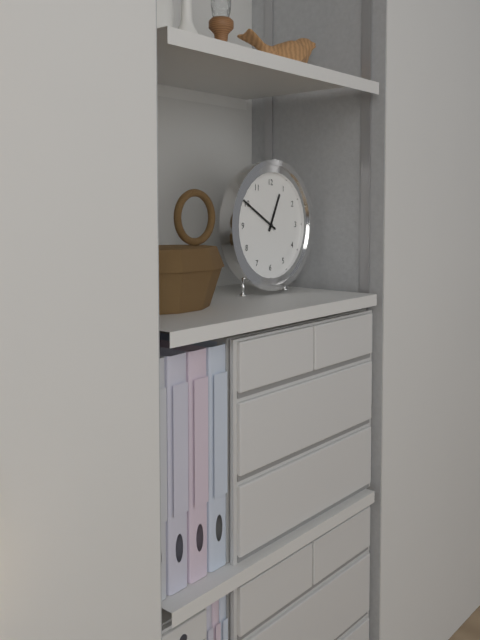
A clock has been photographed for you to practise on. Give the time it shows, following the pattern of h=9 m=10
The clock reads h=12 m=50
